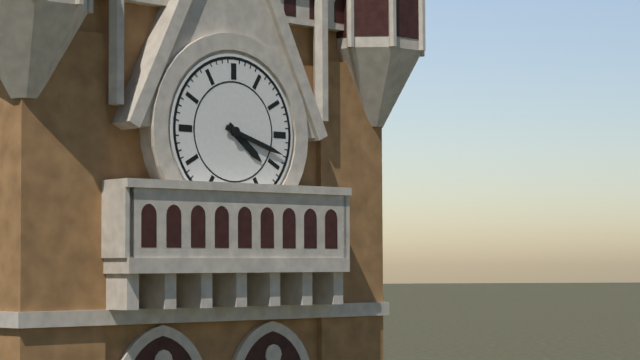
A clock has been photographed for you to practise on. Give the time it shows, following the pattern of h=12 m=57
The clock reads h=4 m=18
